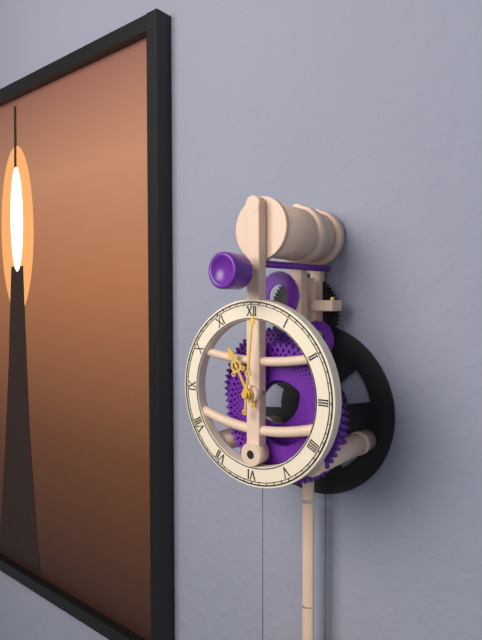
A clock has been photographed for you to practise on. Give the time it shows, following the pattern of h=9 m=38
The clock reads h=11 m=1
